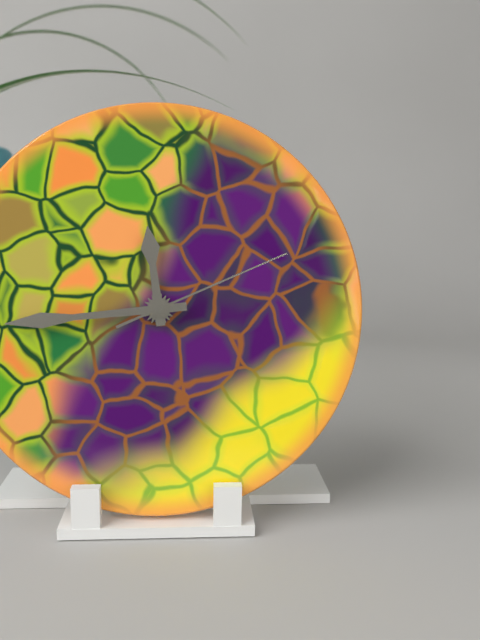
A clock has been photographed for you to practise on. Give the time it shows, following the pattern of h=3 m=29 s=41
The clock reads h=11 m=44 s=11
